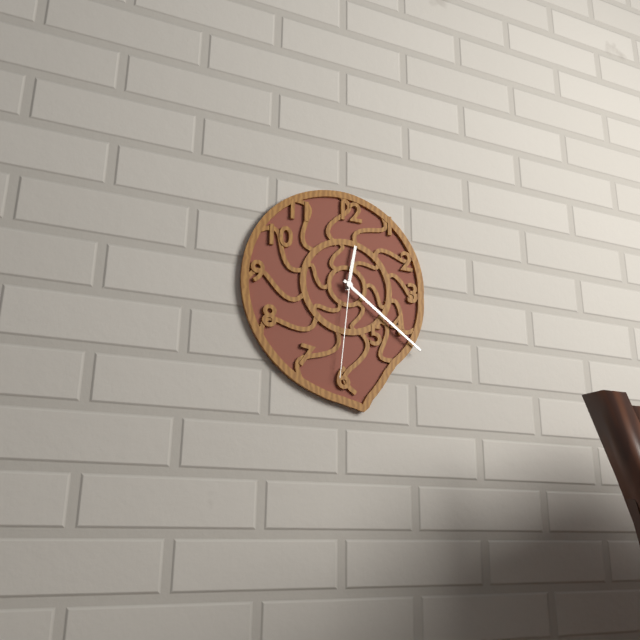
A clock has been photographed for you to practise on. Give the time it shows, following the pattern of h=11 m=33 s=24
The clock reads h=12 m=21 s=31
